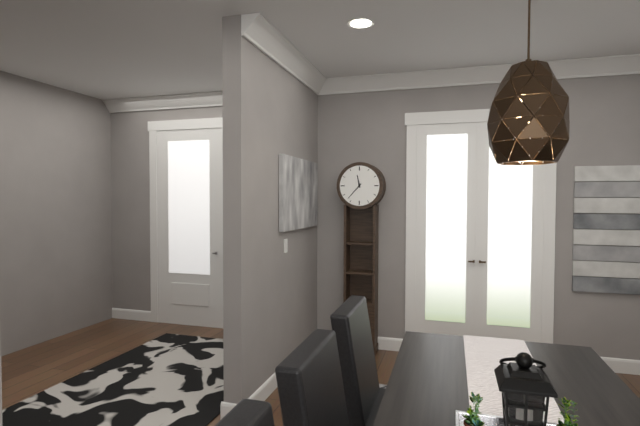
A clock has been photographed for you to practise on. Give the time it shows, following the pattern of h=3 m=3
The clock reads h=11 m=37
